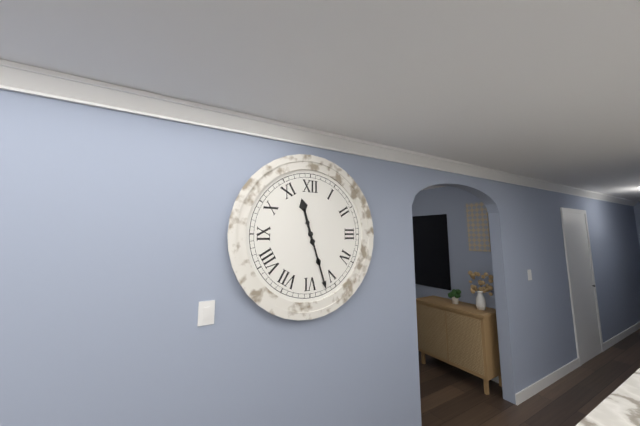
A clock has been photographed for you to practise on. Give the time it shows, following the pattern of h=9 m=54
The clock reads h=11 m=27
